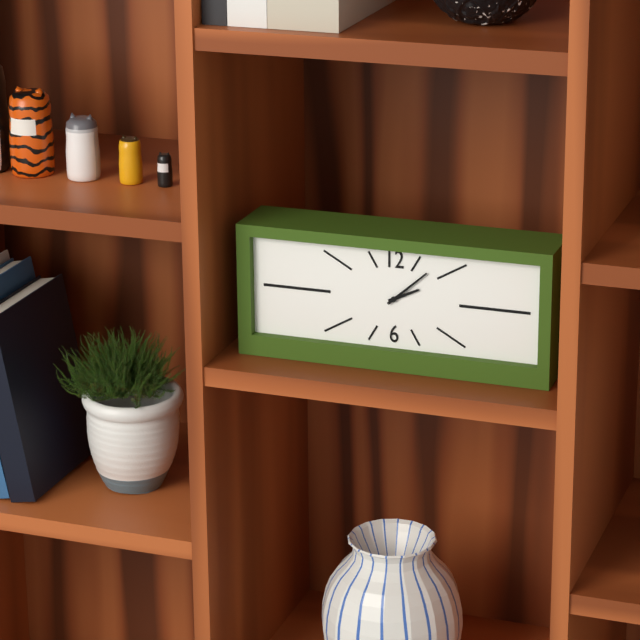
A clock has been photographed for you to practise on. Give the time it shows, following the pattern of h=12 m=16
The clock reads h=2 m=8
